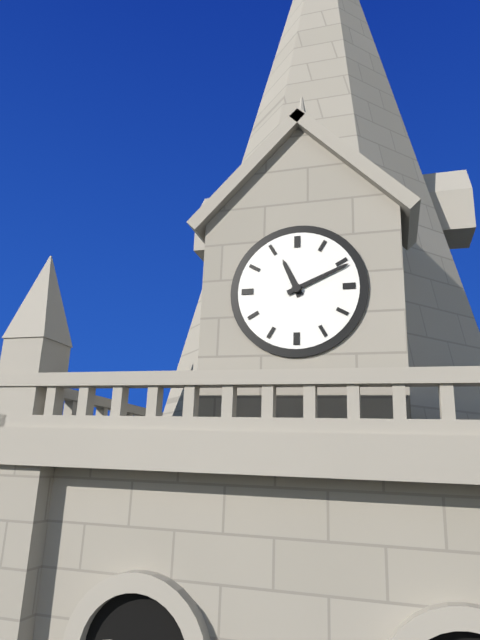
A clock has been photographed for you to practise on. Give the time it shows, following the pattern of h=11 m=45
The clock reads h=11 m=11
